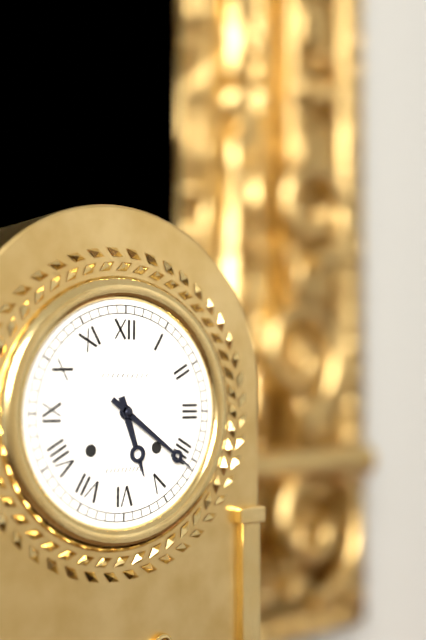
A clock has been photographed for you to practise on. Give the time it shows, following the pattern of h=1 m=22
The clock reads h=5 m=21
